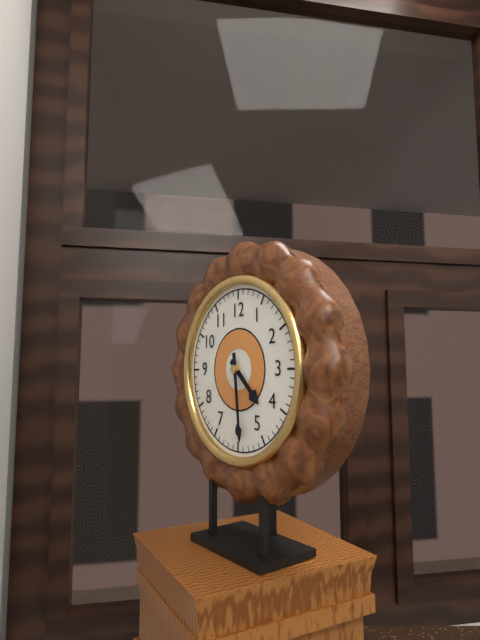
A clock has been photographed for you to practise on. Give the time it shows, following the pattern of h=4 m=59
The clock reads h=4 m=29
